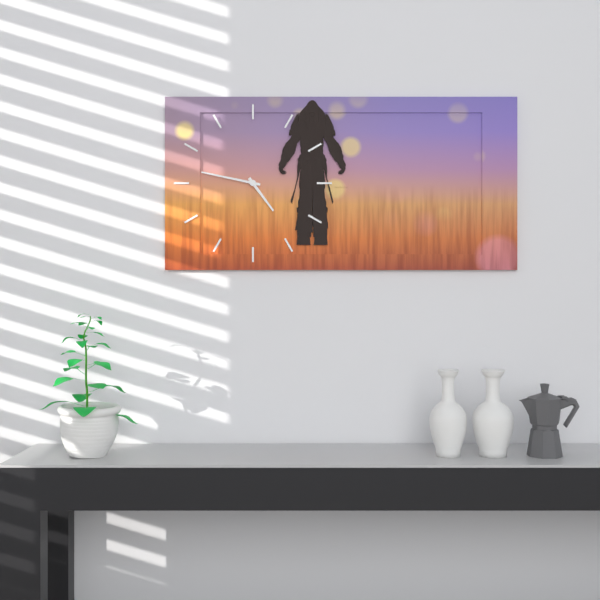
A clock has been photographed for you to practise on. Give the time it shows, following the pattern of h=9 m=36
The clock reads h=4 m=47
